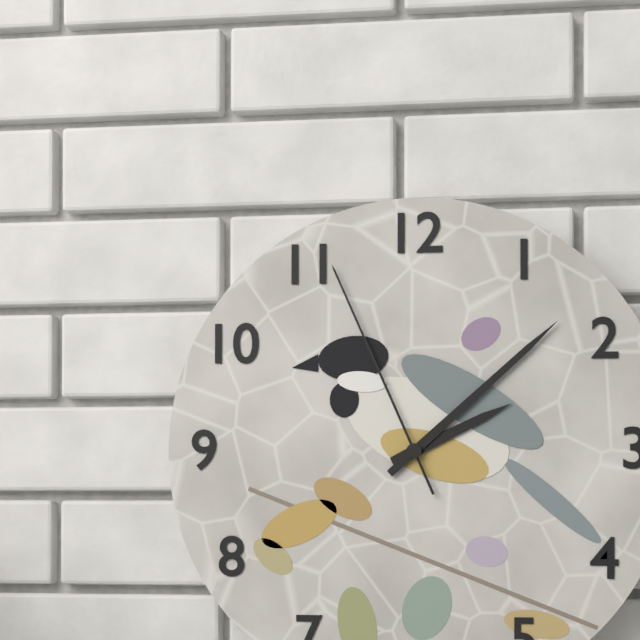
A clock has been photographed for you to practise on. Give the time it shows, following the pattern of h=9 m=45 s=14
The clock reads h=2 m=8 s=56
